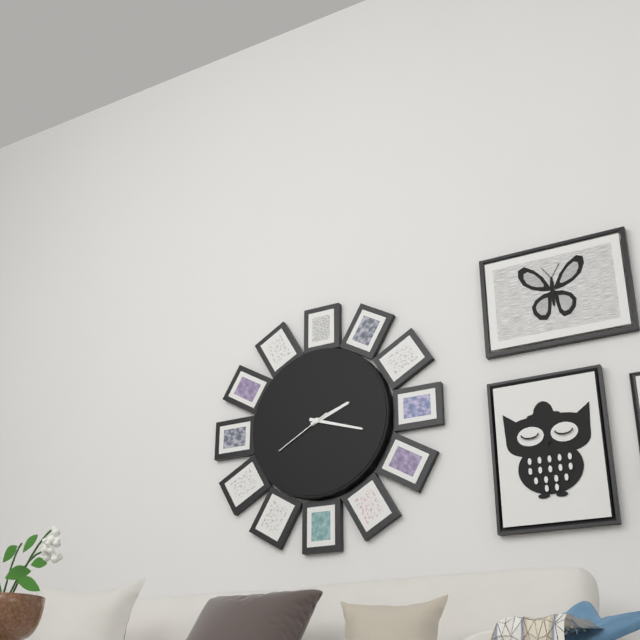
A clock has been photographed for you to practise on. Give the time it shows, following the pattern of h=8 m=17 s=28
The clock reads h=2 m=18 s=40
